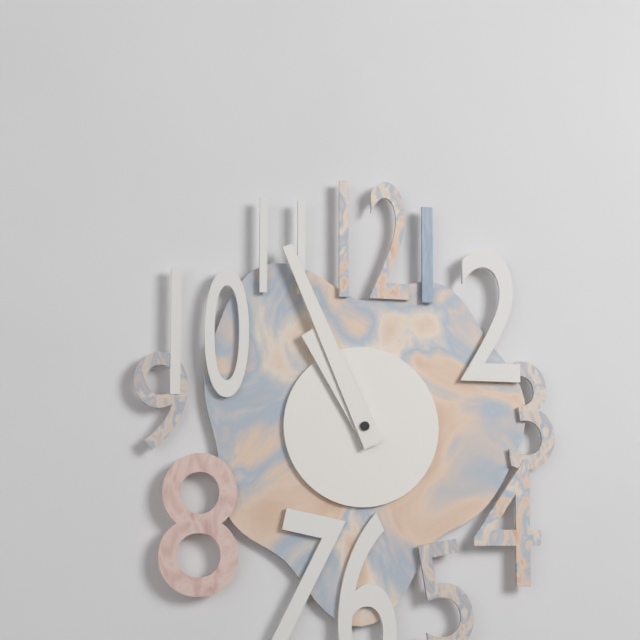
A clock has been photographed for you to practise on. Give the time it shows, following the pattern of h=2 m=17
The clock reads h=10 m=56
